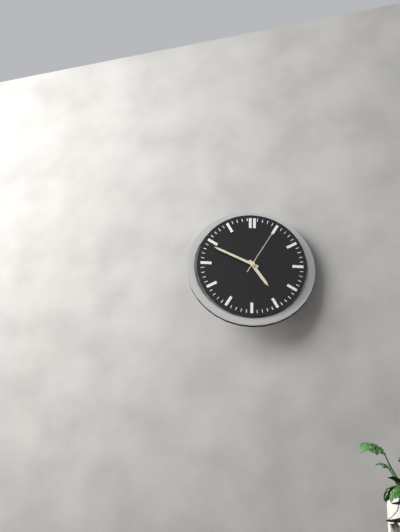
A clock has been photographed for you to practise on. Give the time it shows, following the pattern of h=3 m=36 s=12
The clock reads h=4 m=49 s=5
